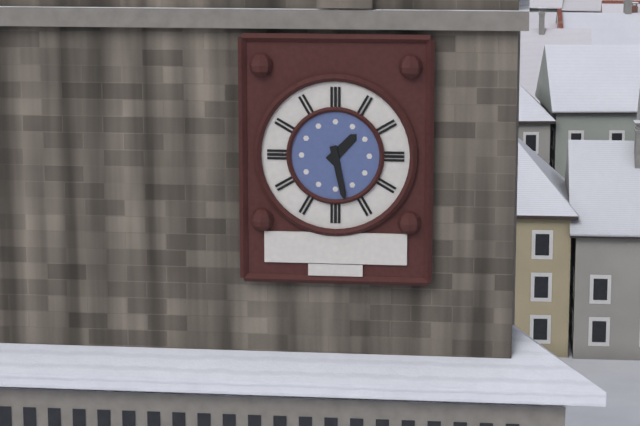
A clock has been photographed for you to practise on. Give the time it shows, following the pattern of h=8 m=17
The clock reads h=1 m=28
